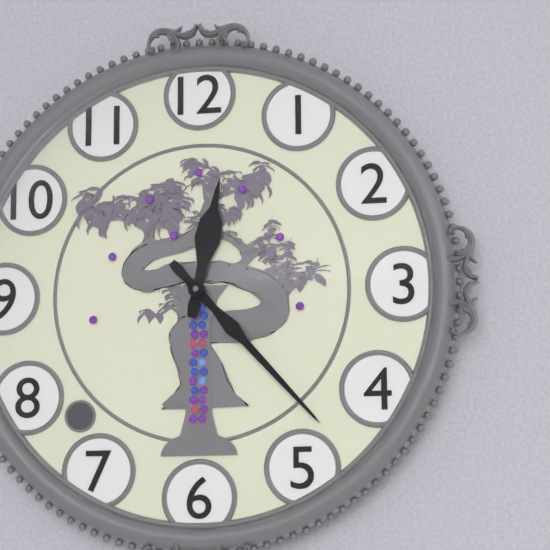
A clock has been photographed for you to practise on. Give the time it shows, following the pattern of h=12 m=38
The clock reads h=12 m=23
